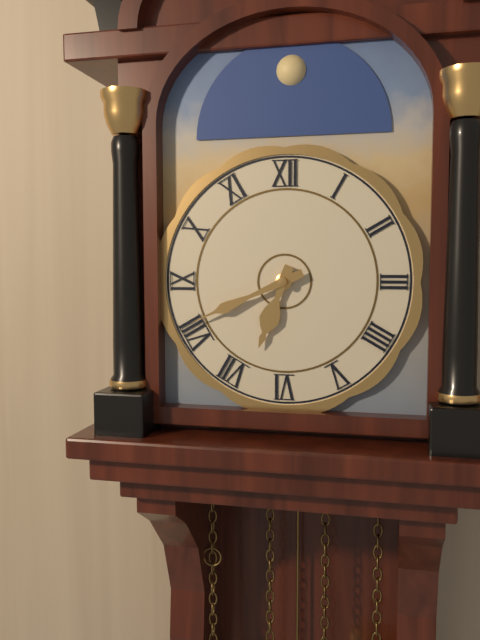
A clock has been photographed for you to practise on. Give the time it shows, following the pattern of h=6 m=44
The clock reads h=6 m=41
